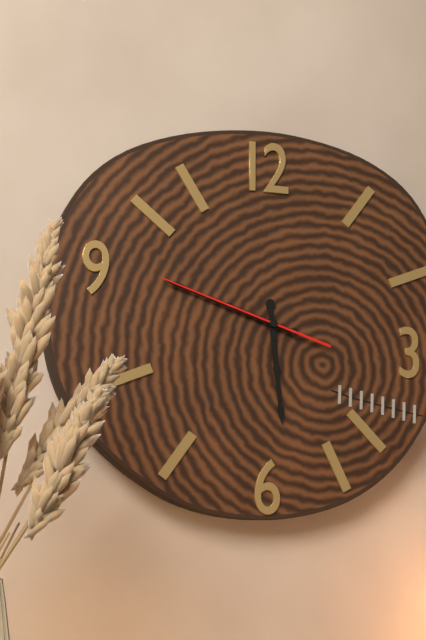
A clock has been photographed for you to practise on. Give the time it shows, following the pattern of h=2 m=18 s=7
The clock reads h=5 m=48 s=48
